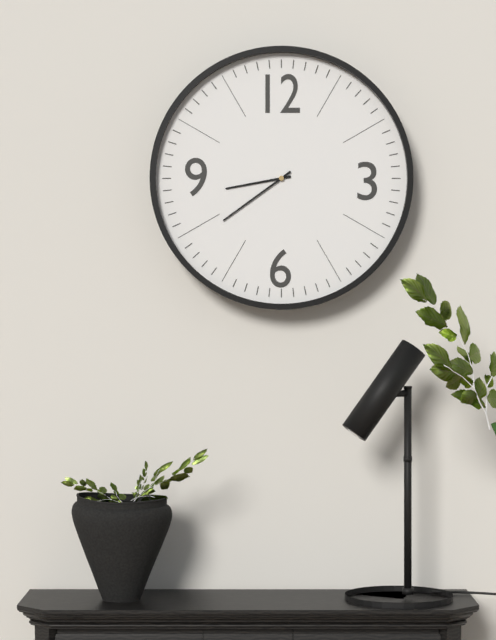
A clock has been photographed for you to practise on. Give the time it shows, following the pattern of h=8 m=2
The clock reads h=8 m=39
